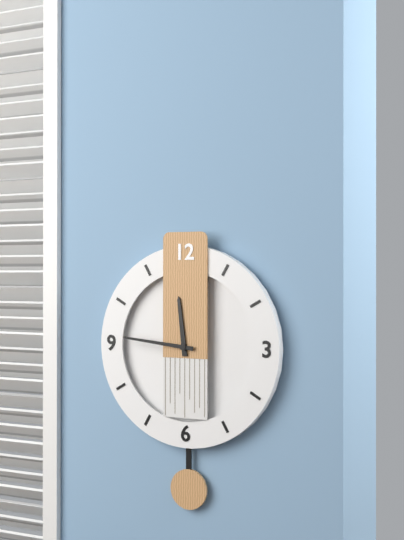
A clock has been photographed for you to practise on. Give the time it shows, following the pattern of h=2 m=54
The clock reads h=11 m=46
